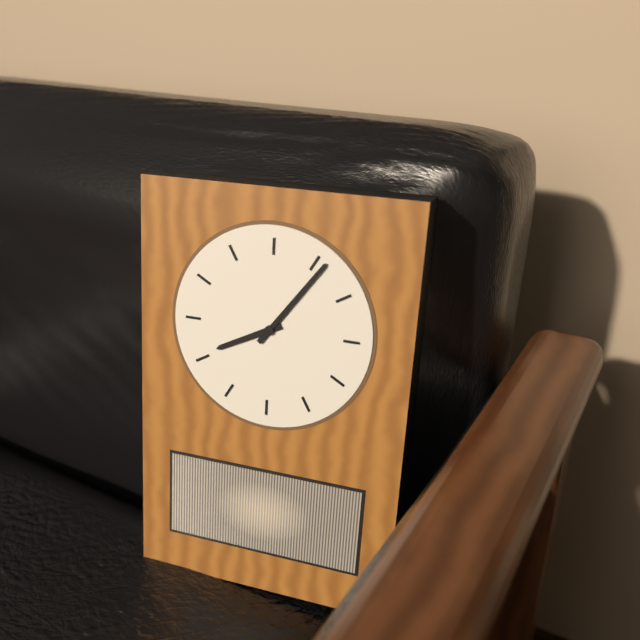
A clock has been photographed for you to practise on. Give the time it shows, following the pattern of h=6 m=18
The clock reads h=8 m=6
